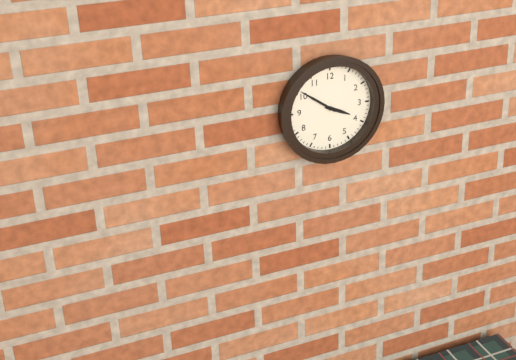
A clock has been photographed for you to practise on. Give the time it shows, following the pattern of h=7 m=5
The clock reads h=3 m=51
